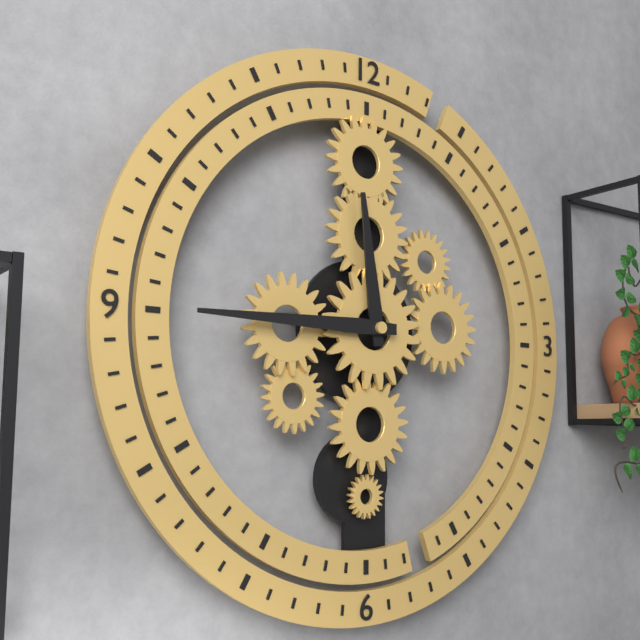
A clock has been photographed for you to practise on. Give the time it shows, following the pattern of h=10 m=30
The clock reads h=11 m=45
